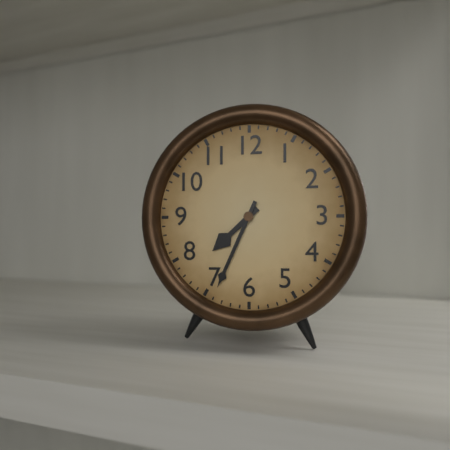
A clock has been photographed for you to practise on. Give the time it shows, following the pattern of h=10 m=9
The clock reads h=7 m=34
